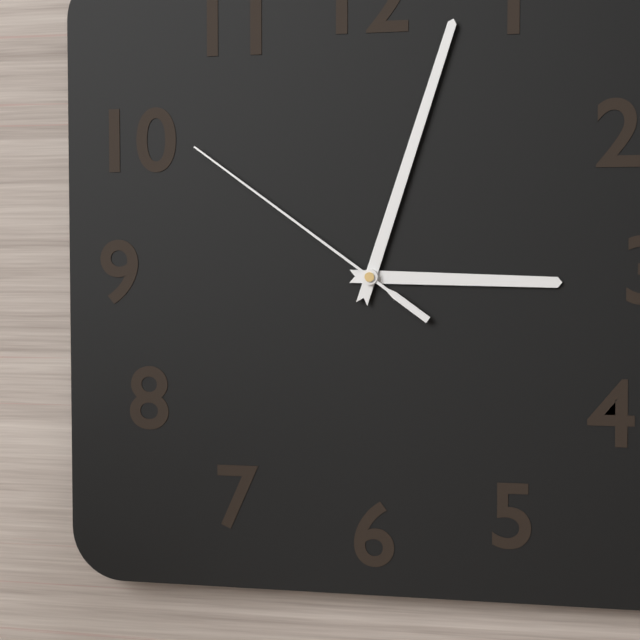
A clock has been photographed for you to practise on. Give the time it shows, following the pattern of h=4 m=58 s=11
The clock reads h=3 m=3 s=51
